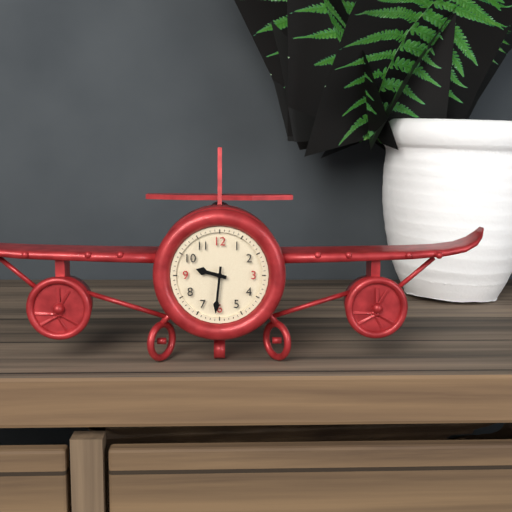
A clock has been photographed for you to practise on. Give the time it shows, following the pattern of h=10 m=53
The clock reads h=9 m=31
